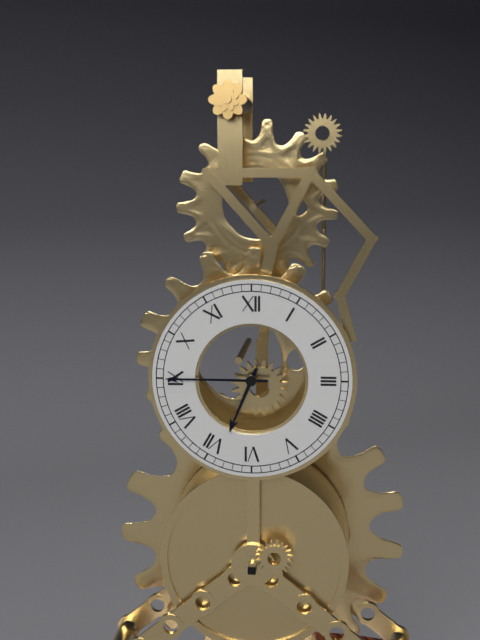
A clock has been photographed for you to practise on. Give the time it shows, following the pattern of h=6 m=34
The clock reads h=6 m=45
